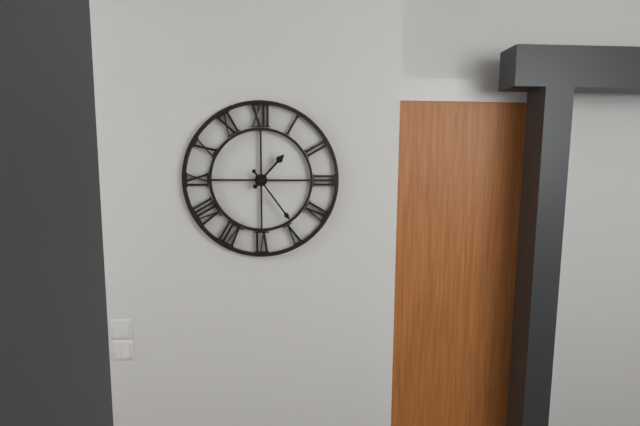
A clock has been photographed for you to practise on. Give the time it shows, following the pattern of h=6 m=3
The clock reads h=1 m=24
